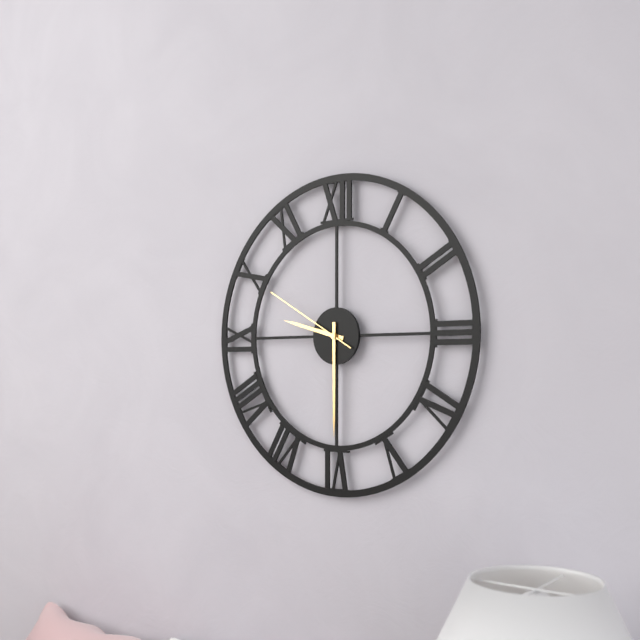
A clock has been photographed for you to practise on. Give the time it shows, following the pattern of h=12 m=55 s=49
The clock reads h=9 m=30 s=50
